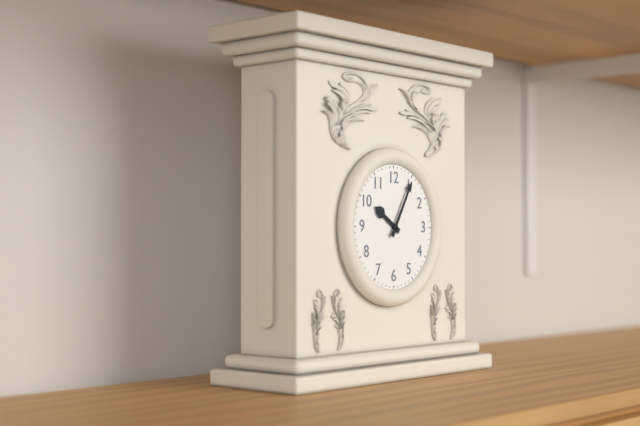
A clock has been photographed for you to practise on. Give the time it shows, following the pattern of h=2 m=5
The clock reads h=10 m=5
